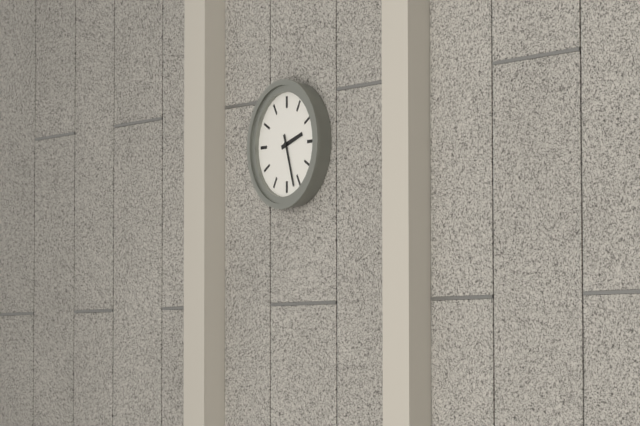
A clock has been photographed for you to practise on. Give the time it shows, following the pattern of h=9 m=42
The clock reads h=2 m=27
